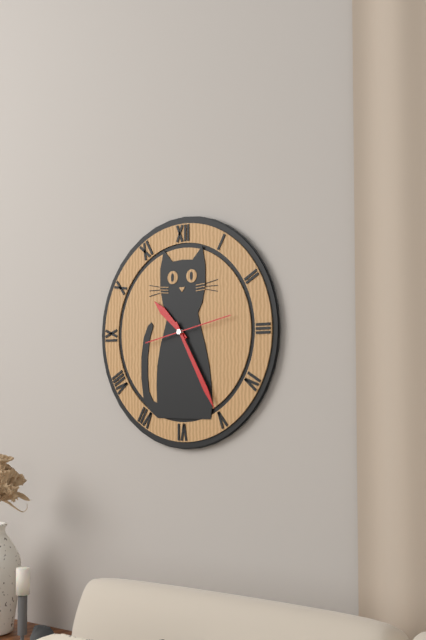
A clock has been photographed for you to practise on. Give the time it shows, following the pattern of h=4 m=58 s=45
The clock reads h=10 m=25 s=13
